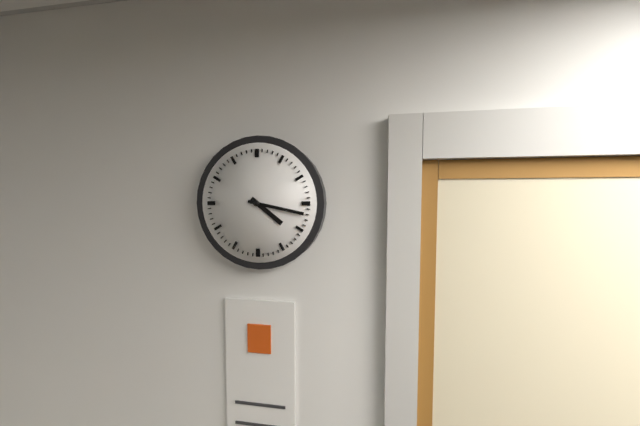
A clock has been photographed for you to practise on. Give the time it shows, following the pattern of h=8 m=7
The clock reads h=4 m=17
